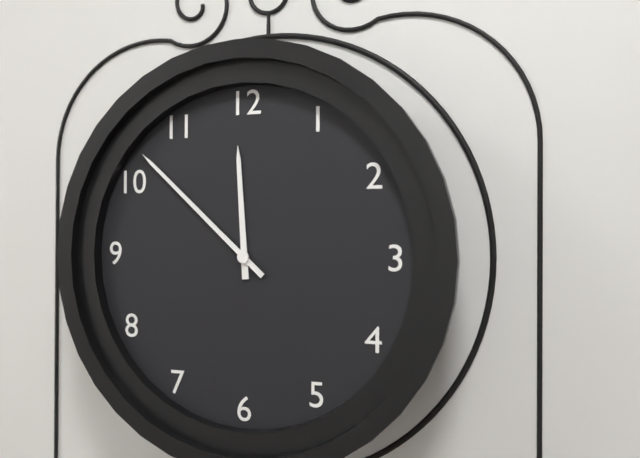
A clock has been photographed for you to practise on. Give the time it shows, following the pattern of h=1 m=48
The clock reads h=11 m=52
